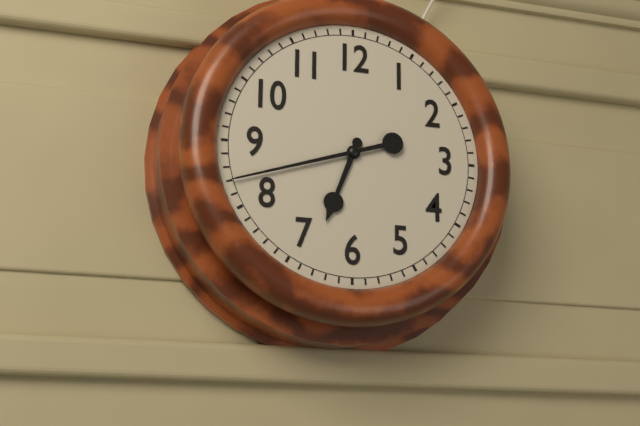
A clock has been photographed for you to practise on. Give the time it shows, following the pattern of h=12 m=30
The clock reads h=6 m=42
